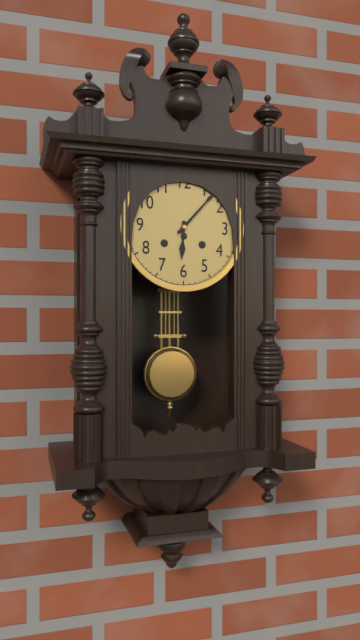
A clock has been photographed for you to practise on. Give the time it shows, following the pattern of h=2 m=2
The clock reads h=6 m=7
